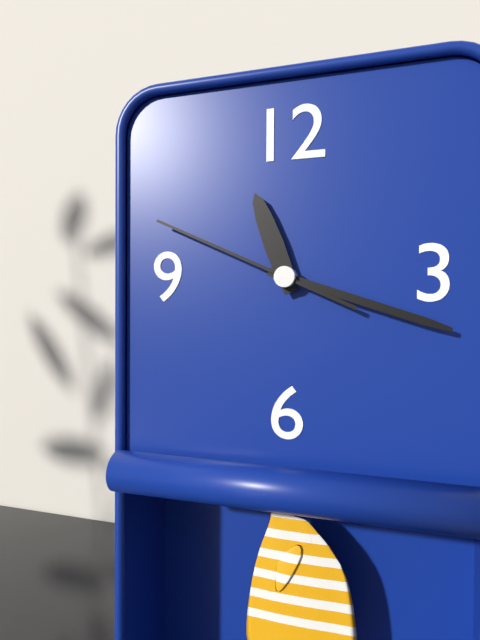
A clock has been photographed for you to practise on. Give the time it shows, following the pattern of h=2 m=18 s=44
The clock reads h=11 m=18 s=49
